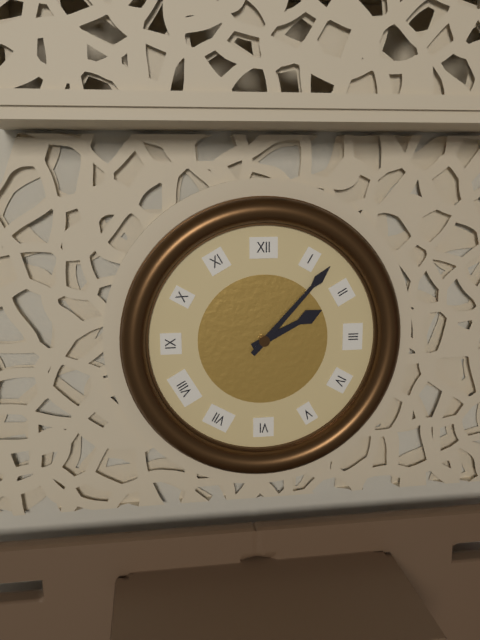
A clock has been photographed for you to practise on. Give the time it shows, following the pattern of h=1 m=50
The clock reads h=2 m=7
